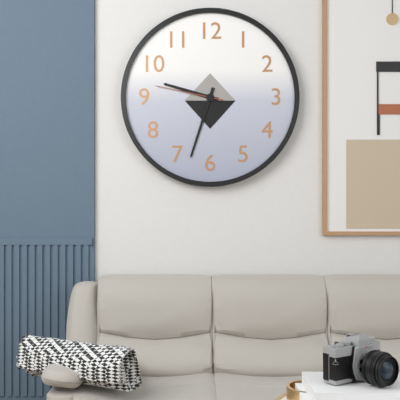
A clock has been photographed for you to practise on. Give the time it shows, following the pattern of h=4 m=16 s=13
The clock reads h=9 m=33 s=47
